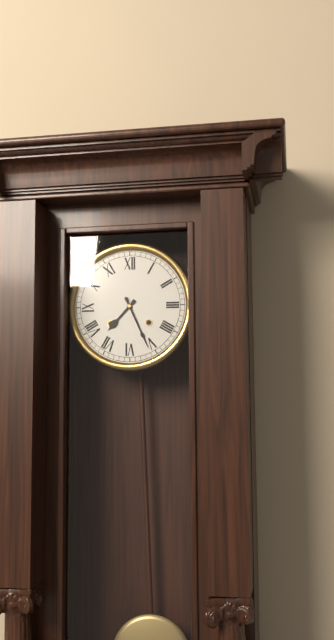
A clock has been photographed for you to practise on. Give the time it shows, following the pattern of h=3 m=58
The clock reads h=7 m=26
